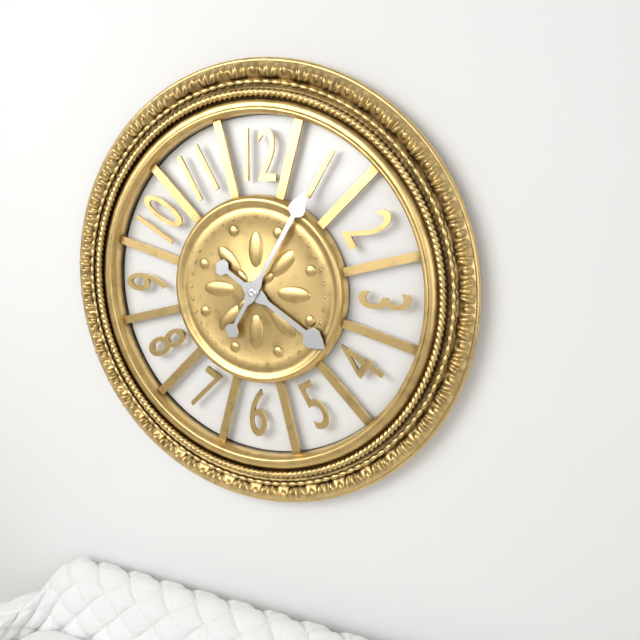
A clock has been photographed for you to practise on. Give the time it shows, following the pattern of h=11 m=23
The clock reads h=4 m=5
